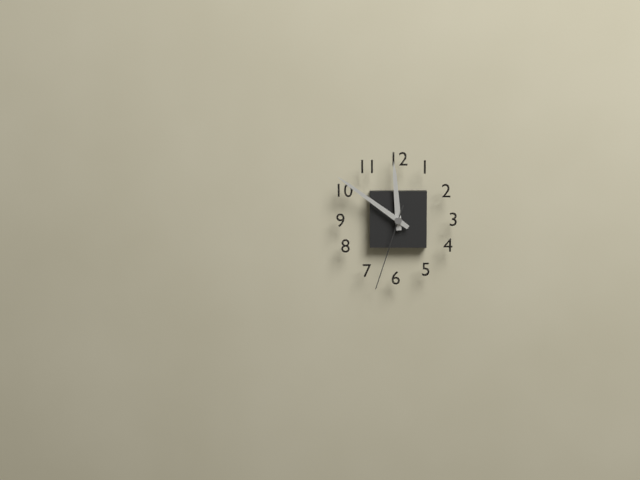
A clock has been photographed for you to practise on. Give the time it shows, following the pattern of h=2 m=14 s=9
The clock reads h=11 m=51 s=33
